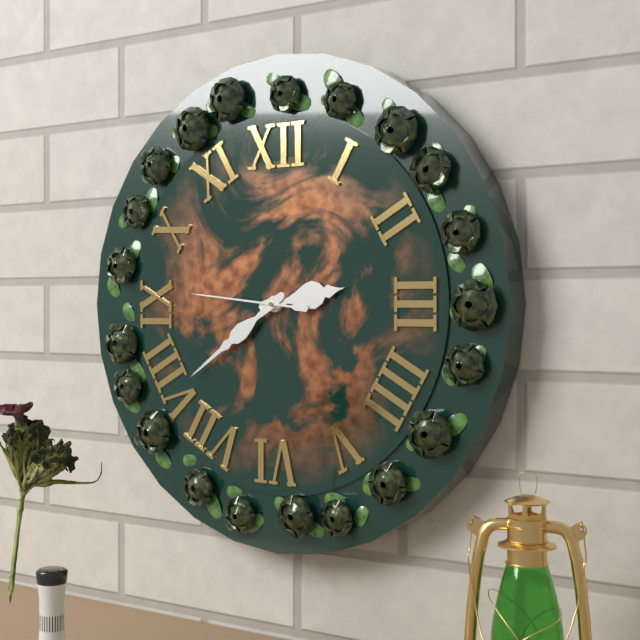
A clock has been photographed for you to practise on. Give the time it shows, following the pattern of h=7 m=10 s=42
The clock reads h=2 m=39 s=46
